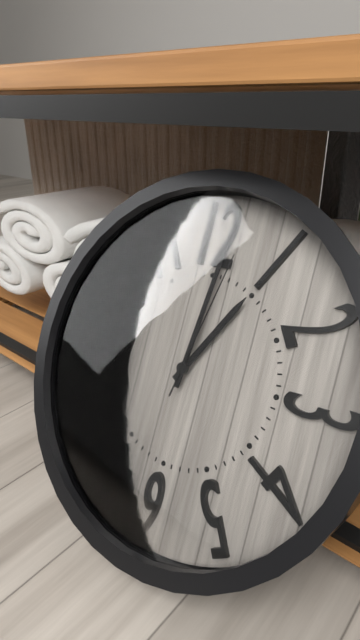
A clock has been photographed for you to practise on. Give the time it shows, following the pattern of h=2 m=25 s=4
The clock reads h=1 m=1 s=2
